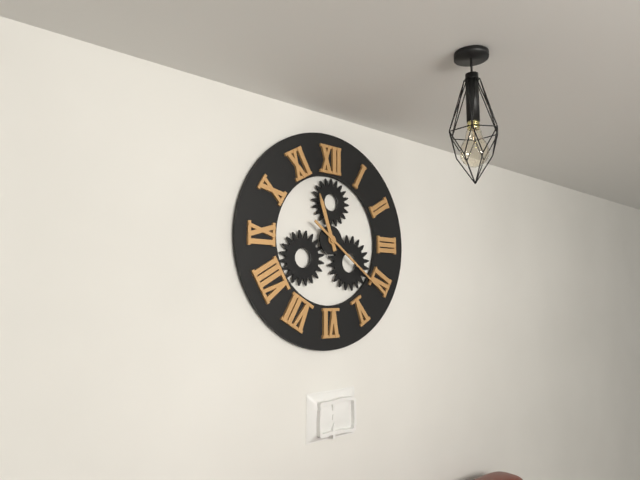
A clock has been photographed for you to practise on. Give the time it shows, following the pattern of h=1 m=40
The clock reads h=11 m=21
